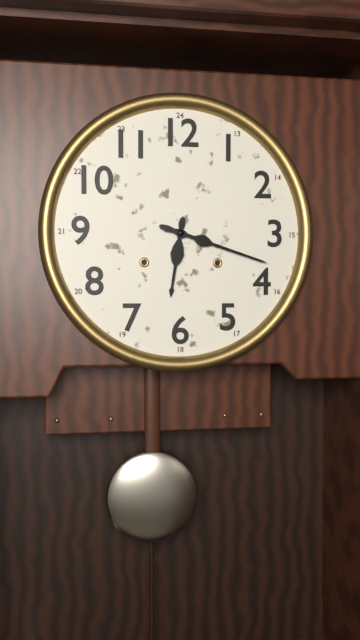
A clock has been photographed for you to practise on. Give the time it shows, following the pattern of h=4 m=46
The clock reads h=6 m=18
